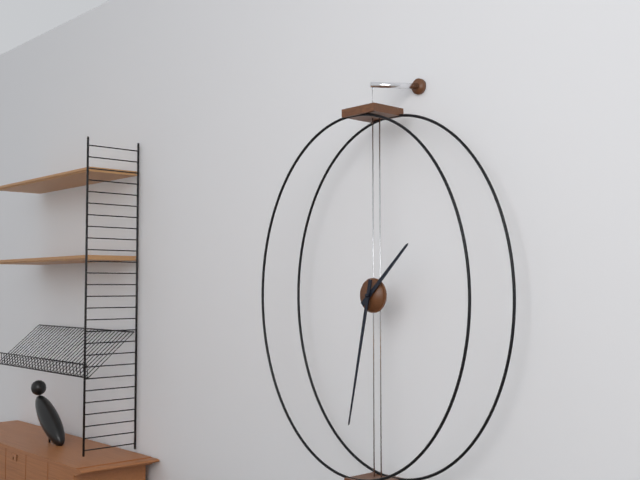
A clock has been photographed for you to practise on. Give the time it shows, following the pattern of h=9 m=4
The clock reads h=1 m=32
